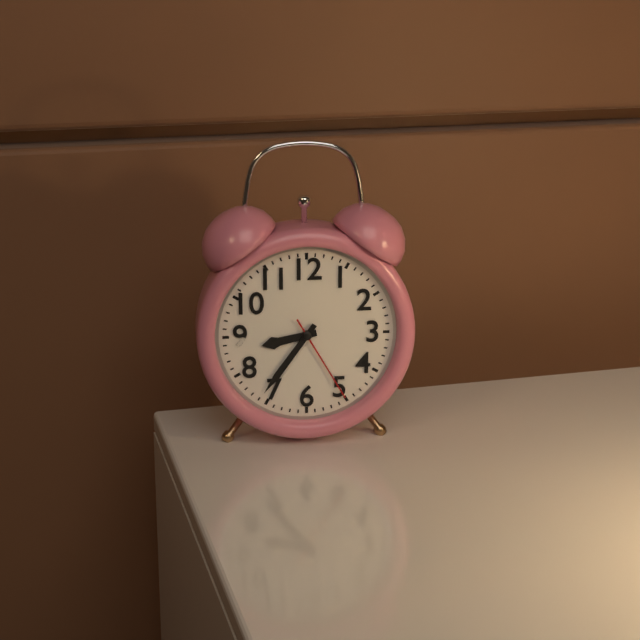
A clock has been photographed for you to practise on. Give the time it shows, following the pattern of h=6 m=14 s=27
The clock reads h=8 m=36 s=25
